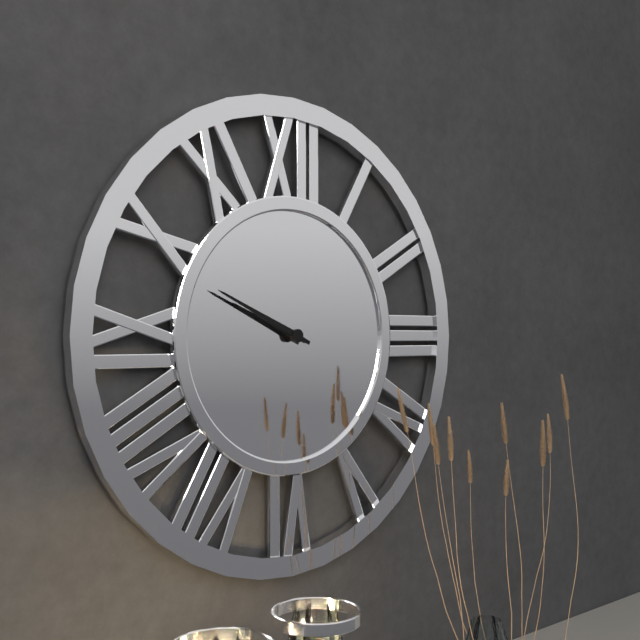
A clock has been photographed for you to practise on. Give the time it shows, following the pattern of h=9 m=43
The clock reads h=9 m=49
